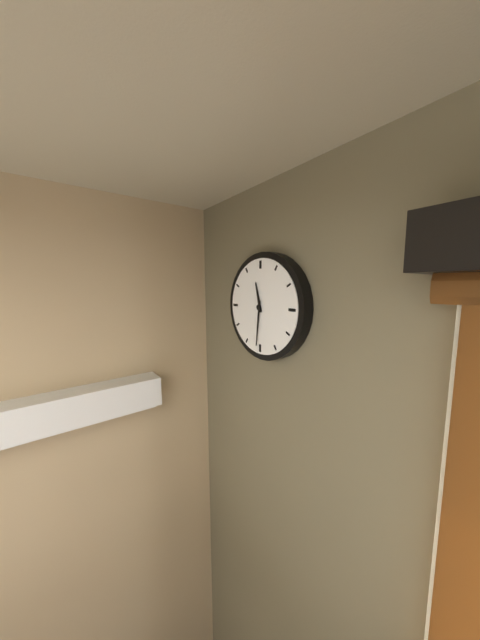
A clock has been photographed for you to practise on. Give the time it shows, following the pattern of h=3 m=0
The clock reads h=11 m=31
